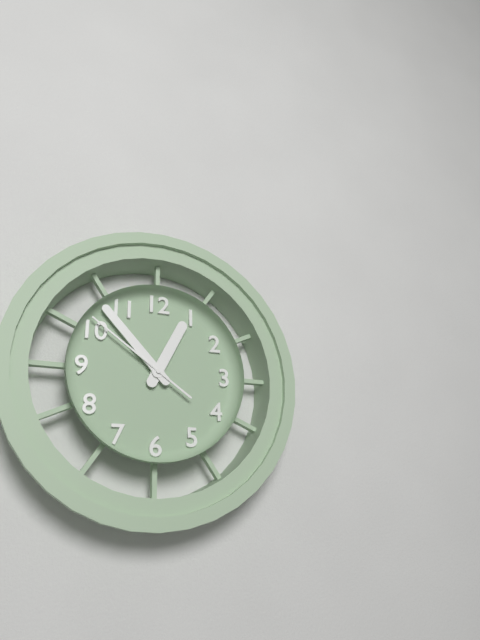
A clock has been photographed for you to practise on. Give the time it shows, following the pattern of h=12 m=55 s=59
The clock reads h=12 m=53 s=51
